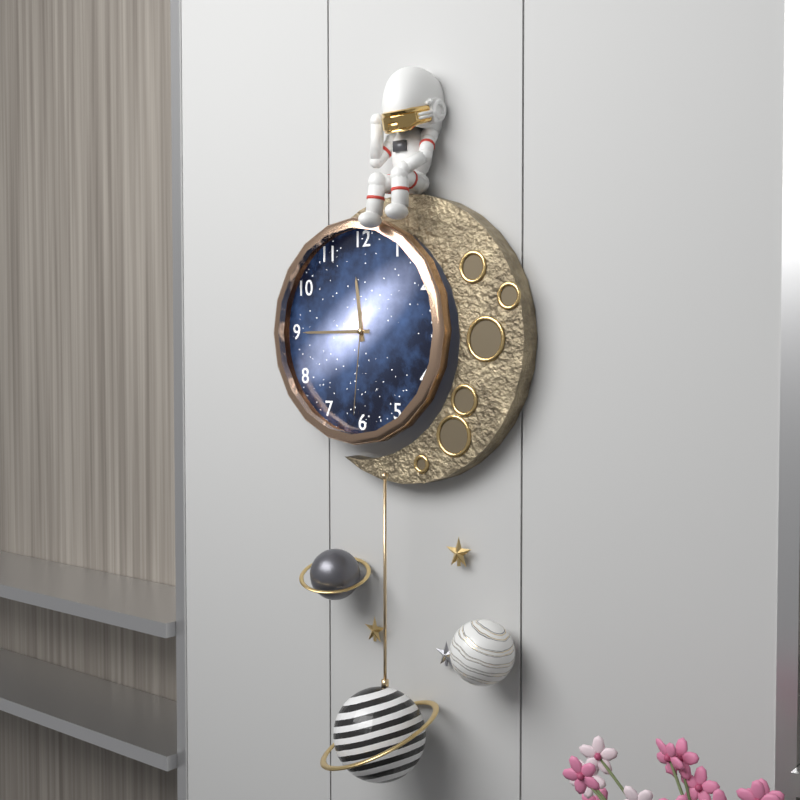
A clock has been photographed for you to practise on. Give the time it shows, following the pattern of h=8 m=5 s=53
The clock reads h=11 m=45 s=31
